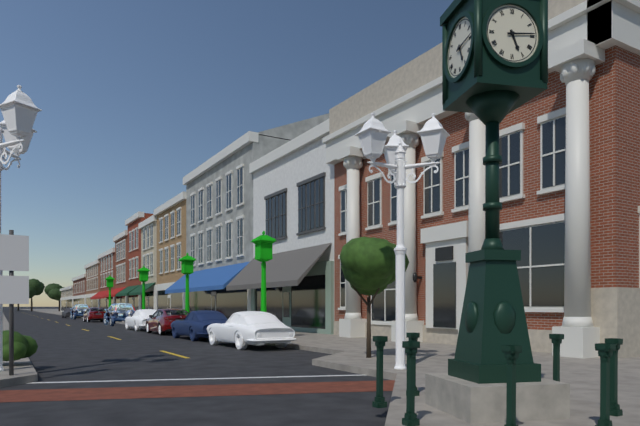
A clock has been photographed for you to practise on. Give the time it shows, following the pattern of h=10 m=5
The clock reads h=5 m=14
